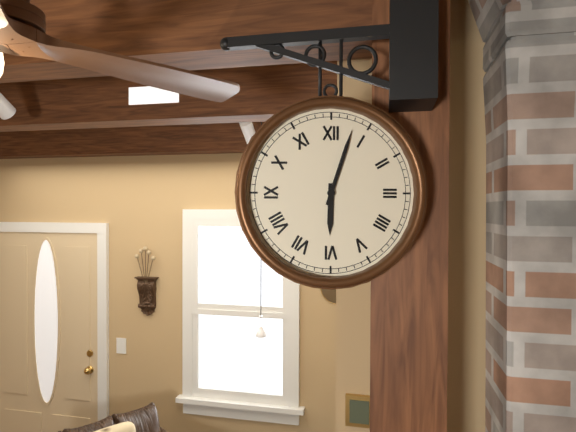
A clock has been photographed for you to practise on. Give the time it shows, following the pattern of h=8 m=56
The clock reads h=6 m=3
